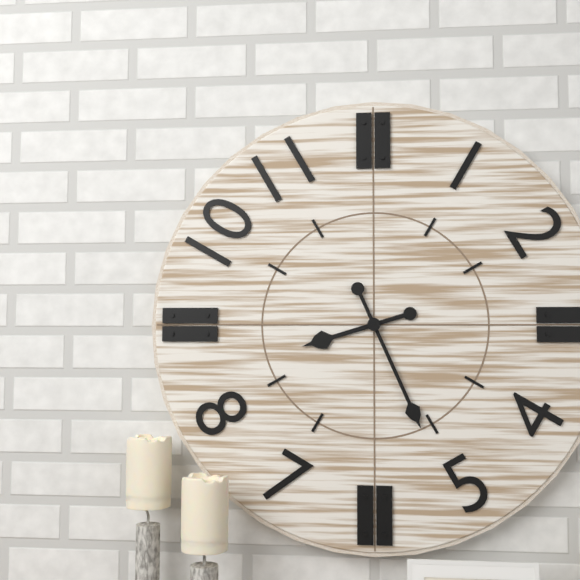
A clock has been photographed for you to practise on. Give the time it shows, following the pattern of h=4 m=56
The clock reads h=8 m=26
